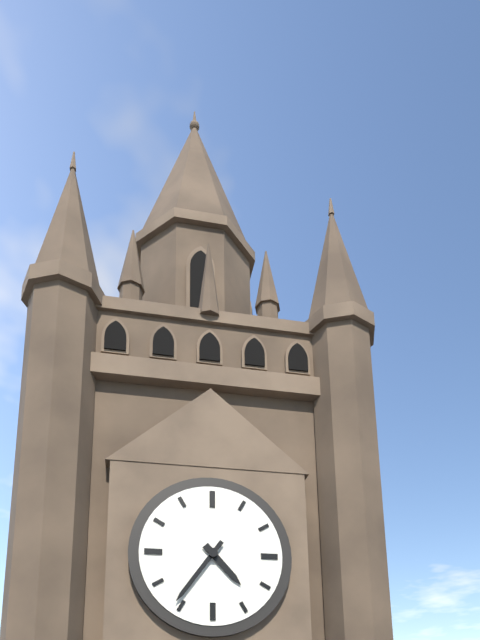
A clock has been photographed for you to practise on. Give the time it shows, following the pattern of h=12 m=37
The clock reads h=4 m=36
